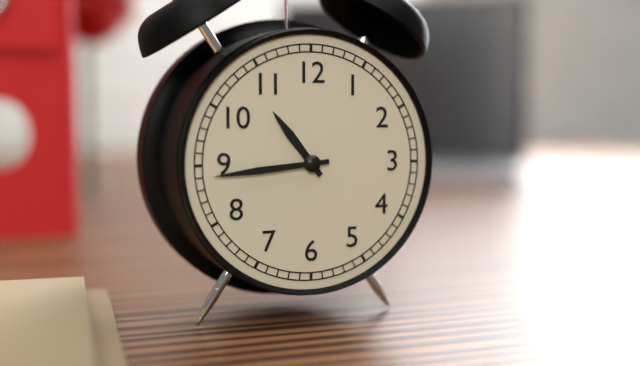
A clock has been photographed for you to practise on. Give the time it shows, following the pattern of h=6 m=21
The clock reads h=10 m=44
